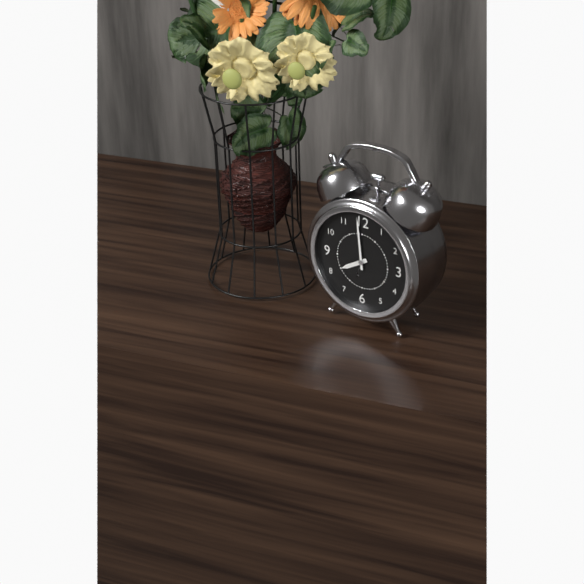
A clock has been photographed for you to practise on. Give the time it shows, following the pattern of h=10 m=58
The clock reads h=7 m=59
